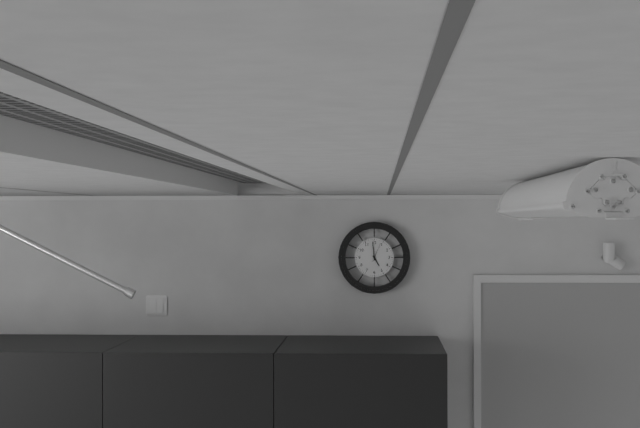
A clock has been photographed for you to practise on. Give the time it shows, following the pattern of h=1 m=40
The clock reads h=4 m=59
